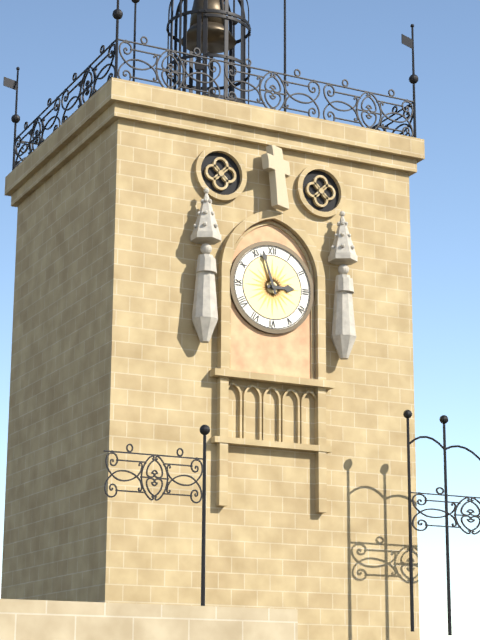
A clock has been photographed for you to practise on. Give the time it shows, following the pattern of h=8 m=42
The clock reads h=2 m=57
